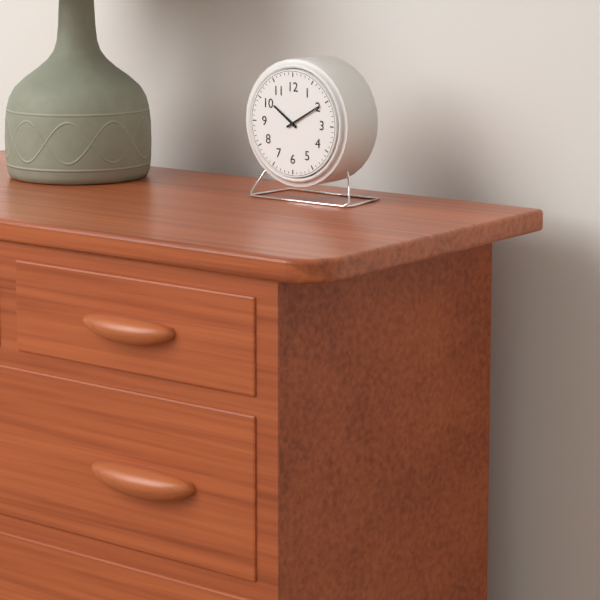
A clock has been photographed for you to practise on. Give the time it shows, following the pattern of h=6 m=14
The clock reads h=10 m=10
